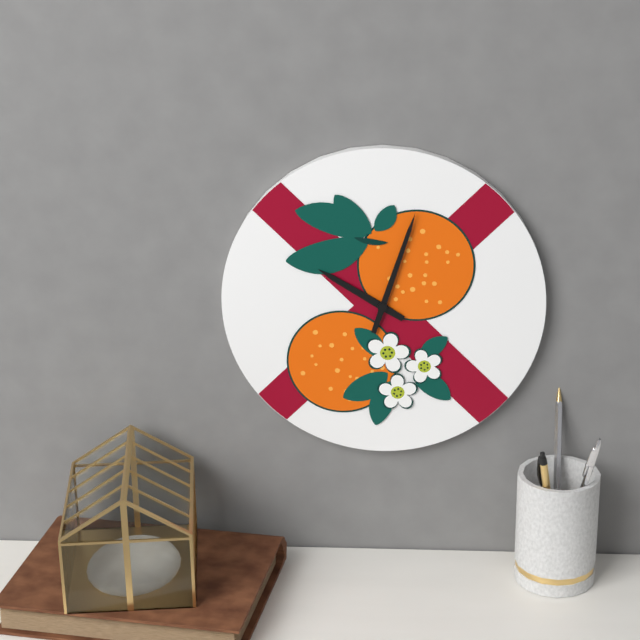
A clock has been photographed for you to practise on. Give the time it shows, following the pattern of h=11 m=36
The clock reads h=10 m=3
